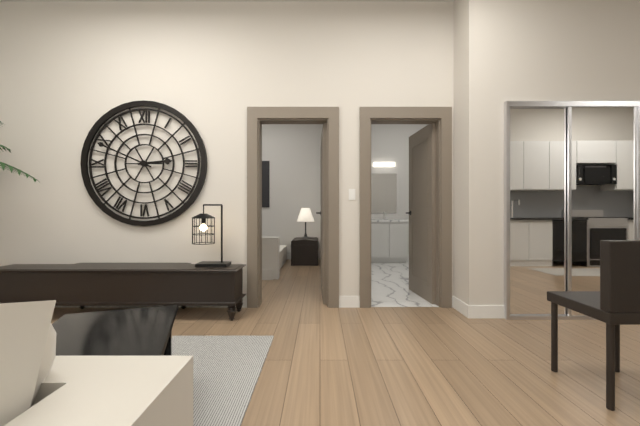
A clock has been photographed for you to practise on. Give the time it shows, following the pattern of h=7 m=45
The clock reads h=2 m=49
